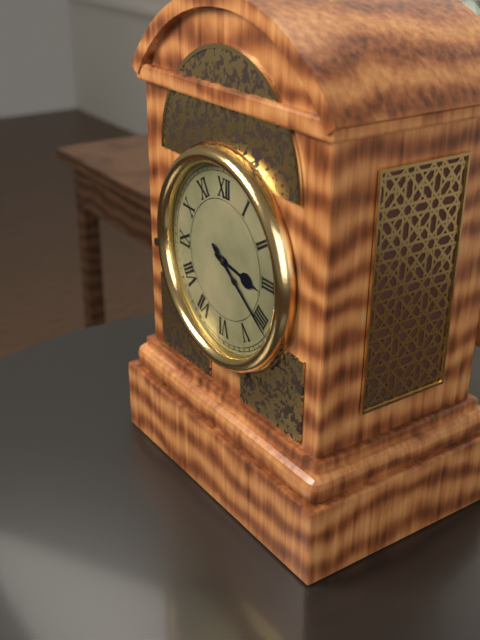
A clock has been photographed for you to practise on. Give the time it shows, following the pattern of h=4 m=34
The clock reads h=3 m=21
